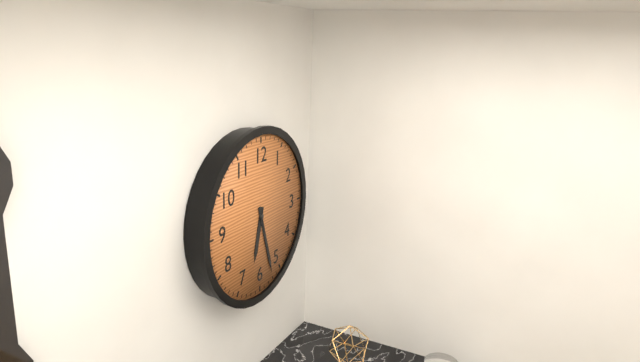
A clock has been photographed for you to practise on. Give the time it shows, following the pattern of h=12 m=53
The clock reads h=6 m=27
